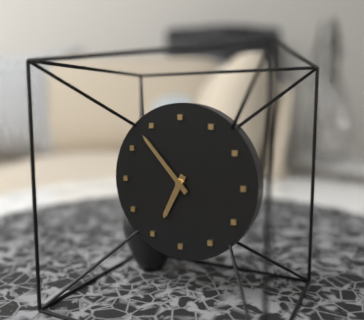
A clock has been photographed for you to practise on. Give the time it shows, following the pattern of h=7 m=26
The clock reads h=6 m=53
